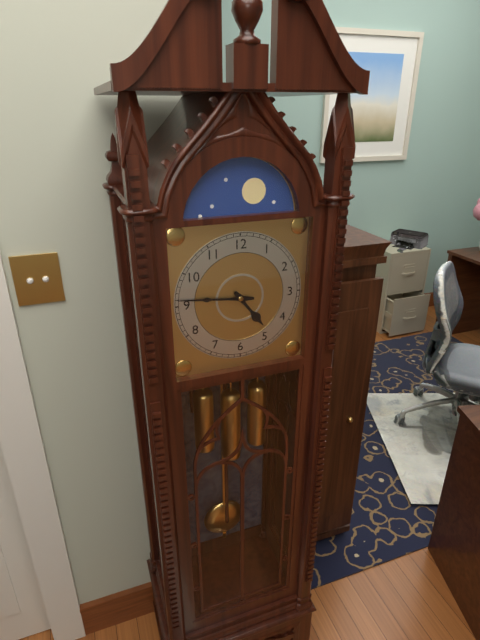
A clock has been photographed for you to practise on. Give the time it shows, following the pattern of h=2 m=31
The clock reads h=4 m=46
